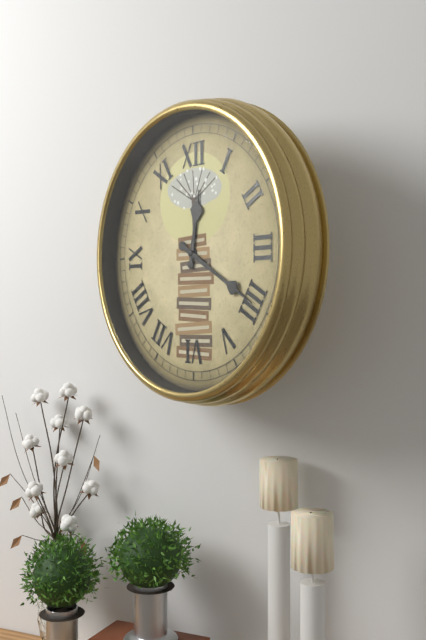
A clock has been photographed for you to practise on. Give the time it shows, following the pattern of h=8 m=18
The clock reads h=12 m=20
